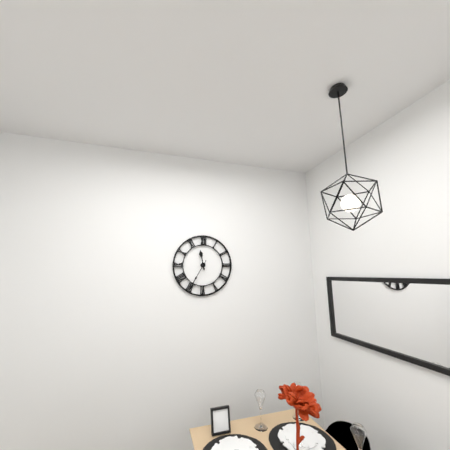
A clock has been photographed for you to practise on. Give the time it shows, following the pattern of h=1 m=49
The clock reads h=11 m=35
